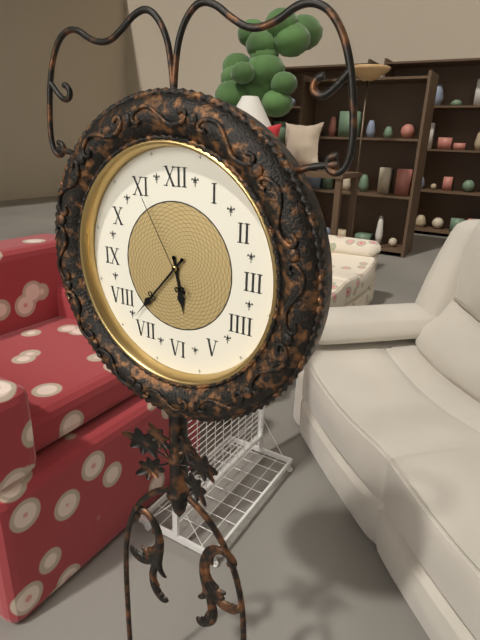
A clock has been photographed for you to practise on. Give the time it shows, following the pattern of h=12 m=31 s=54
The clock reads h=5 m=37 s=55
